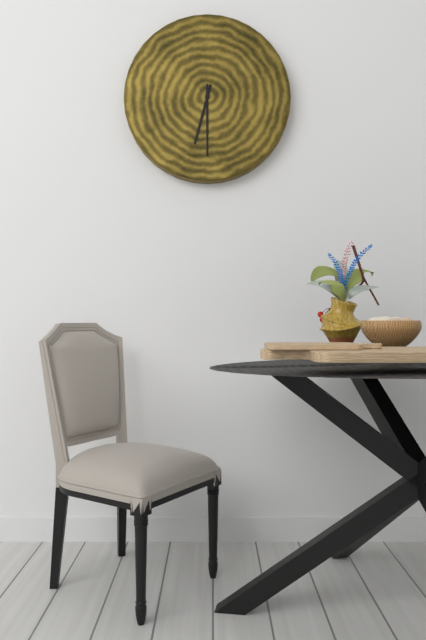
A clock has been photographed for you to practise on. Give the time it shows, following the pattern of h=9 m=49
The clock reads h=6 m=30
